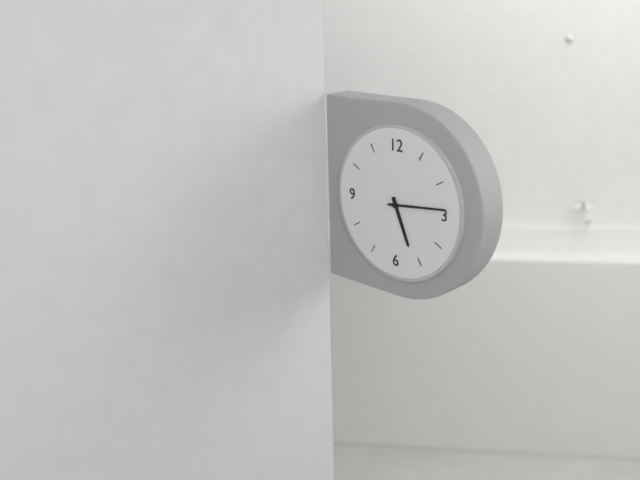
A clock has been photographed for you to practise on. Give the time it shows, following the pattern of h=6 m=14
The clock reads h=5 m=14
